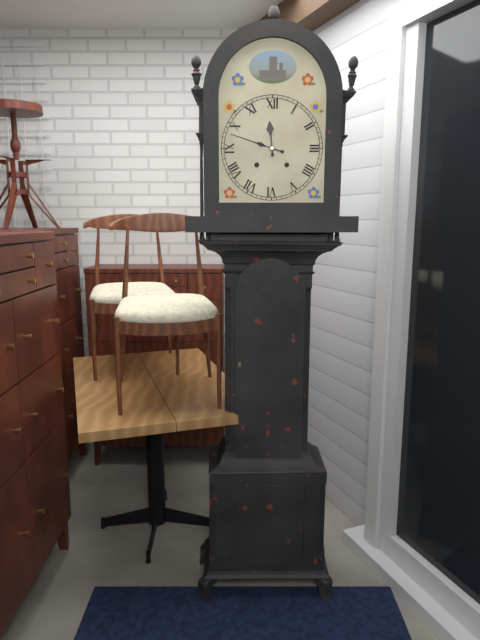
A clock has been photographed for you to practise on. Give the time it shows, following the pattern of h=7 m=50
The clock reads h=11 m=48
